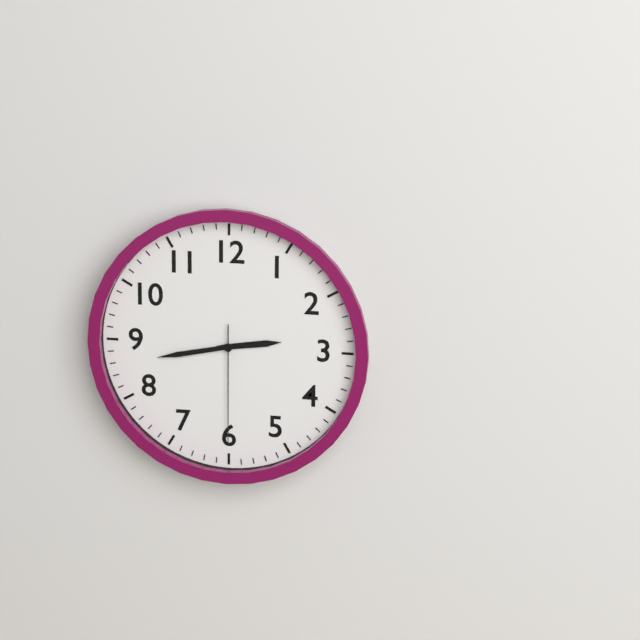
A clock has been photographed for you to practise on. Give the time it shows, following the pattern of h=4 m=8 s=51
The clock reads h=2 m=43 s=30
